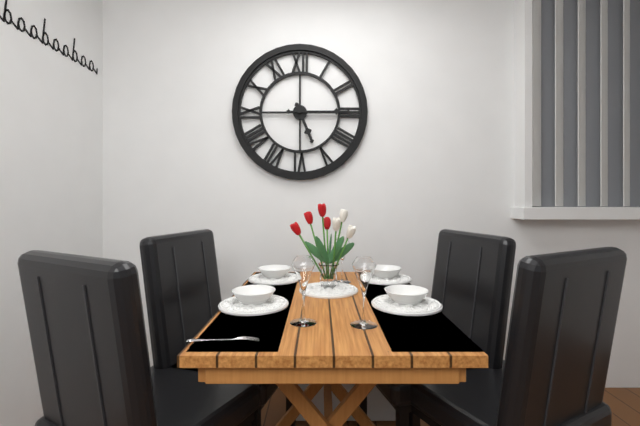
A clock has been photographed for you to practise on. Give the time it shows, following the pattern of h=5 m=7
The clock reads h=5 m=15
